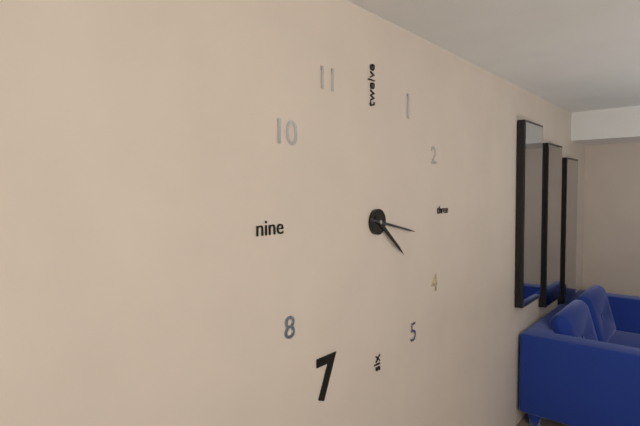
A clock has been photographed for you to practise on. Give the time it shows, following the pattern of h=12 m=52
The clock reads h=4 m=17
